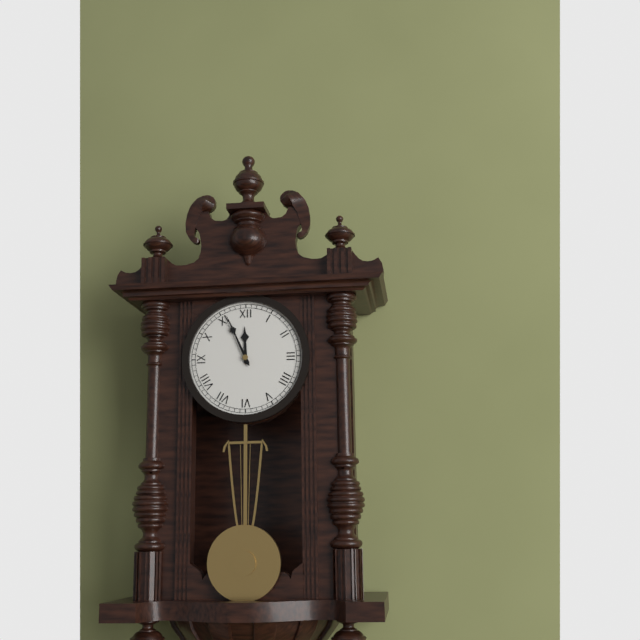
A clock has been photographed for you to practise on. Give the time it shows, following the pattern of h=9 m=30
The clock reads h=11 m=56
